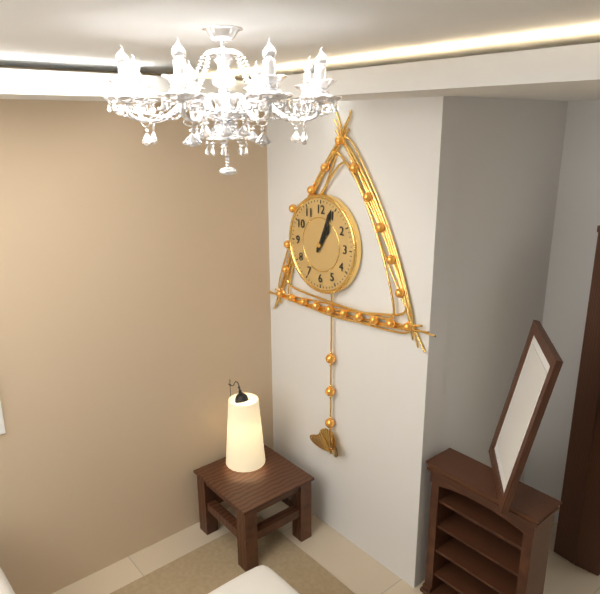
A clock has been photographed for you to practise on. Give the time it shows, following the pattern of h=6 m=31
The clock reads h=1 m=4
